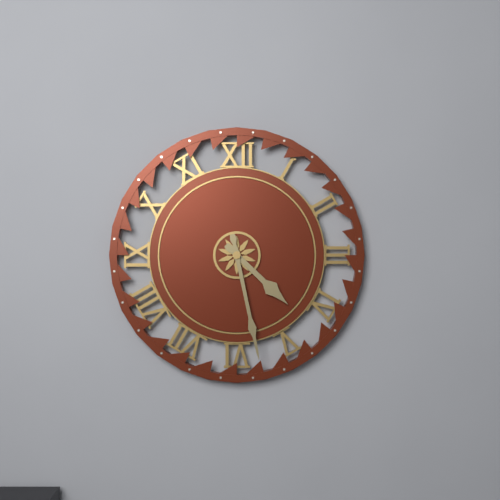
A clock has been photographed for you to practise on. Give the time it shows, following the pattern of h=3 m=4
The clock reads h=4 m=28
